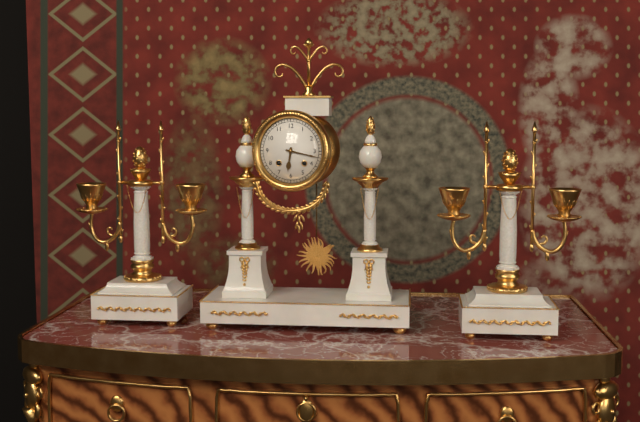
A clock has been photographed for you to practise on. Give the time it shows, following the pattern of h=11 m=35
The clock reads h=6 m=17
